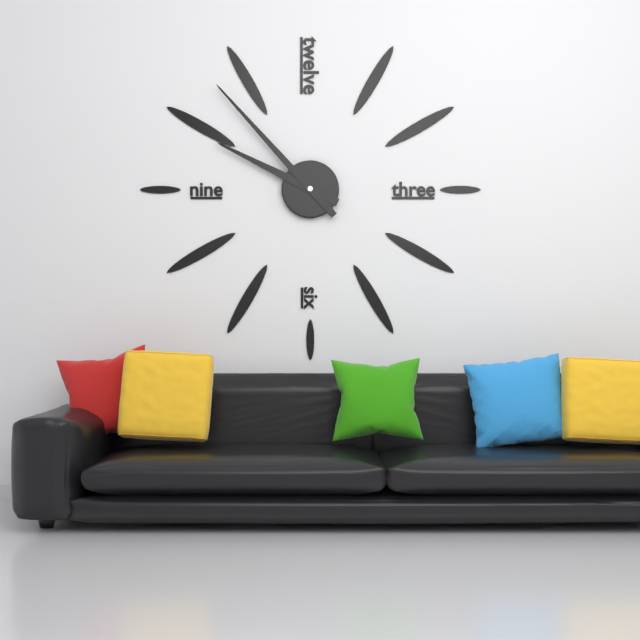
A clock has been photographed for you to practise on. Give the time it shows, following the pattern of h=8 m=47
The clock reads h=9 m=53
